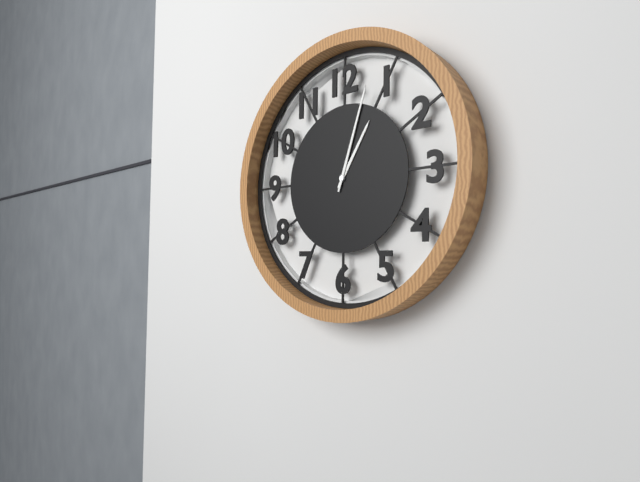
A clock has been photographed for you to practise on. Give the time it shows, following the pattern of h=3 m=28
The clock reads h=1 m=3
